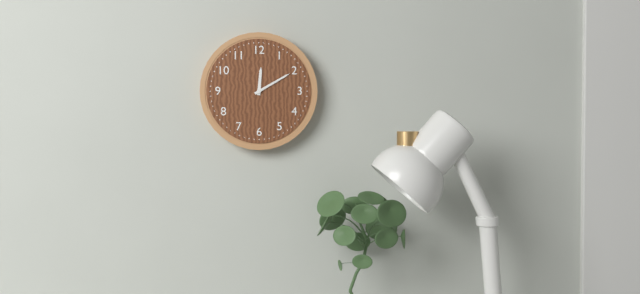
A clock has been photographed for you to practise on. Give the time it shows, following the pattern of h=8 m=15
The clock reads h=12 m=10
